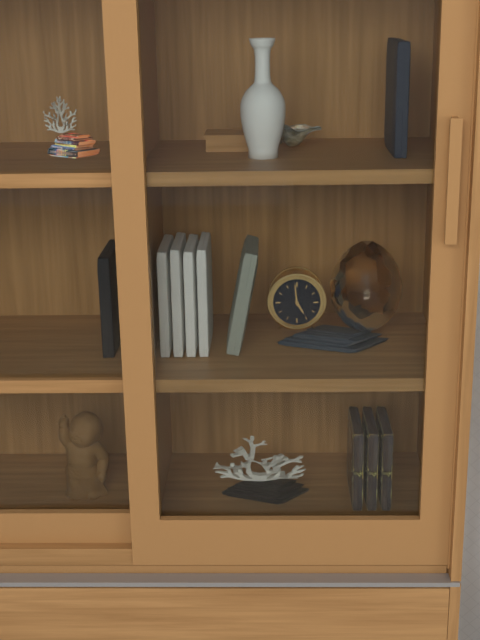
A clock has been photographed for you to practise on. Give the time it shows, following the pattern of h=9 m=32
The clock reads h=4 m=59
